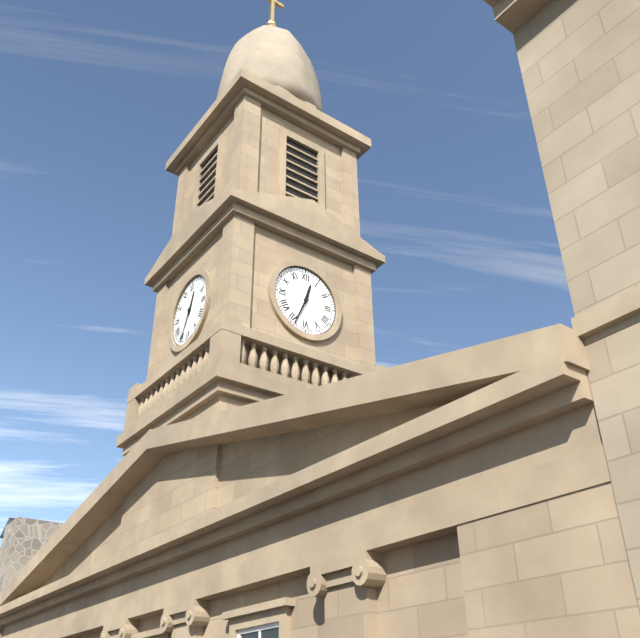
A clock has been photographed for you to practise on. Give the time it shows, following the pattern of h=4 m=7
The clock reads h=12 m=34
